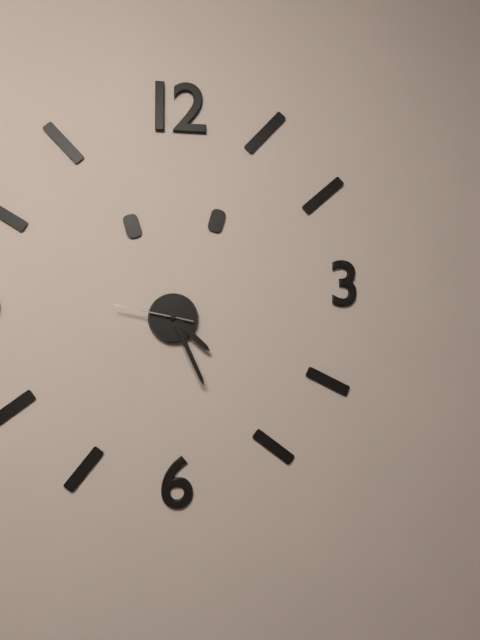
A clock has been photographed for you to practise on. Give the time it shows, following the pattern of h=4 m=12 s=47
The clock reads h=4 m=26 s=47
